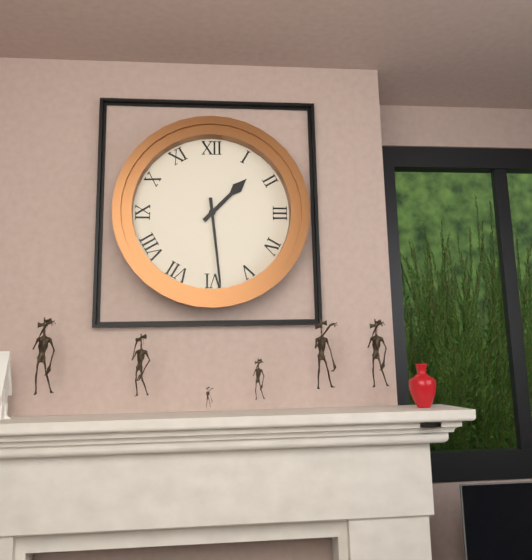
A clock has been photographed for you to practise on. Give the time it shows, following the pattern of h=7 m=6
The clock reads h=1 m=29
